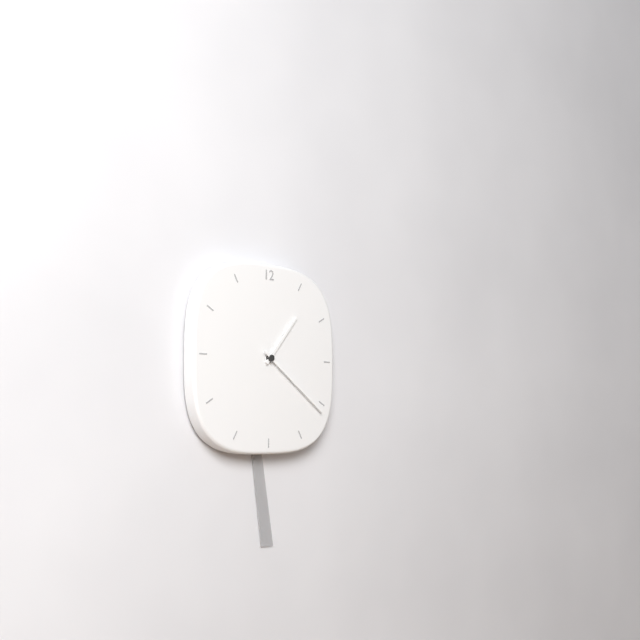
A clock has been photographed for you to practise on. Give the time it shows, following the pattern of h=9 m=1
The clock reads h=1 m=21
